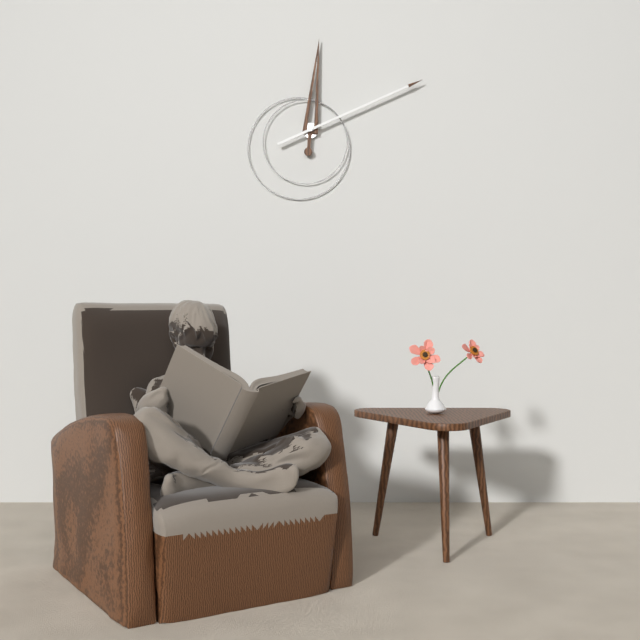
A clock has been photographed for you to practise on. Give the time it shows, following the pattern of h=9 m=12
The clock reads h=12 m=11
